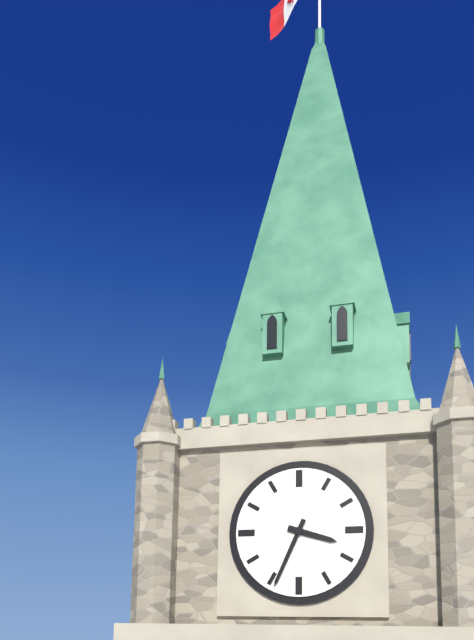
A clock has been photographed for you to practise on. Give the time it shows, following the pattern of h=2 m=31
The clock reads h=3 m=34
